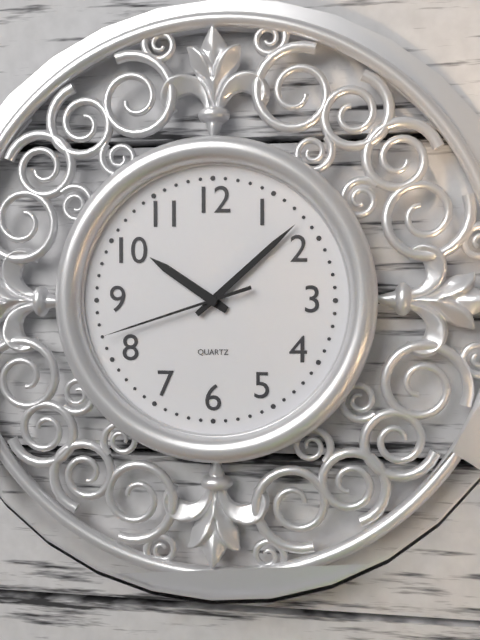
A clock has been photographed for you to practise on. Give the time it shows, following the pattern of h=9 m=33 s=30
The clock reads h=10 m=8 s=42
